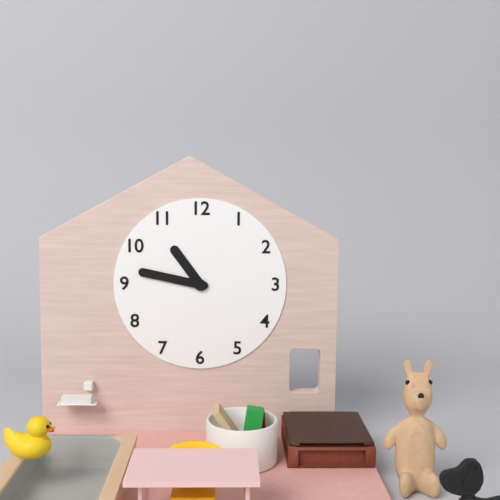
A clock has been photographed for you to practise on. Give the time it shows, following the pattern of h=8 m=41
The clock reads h=10 m=47
